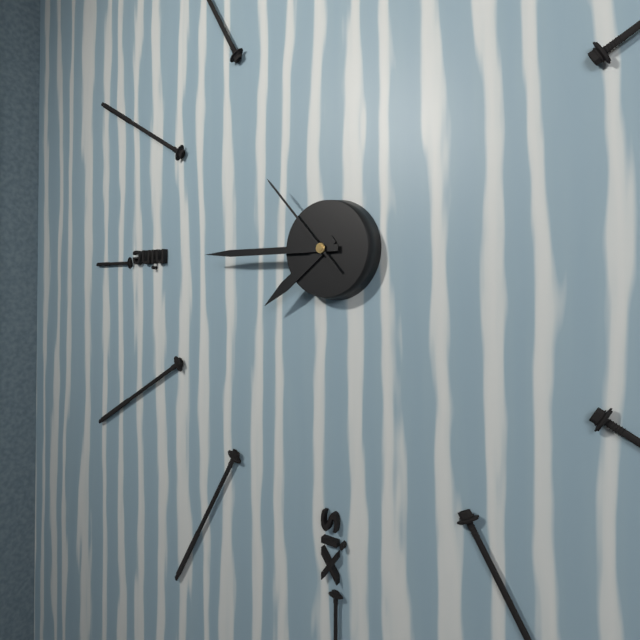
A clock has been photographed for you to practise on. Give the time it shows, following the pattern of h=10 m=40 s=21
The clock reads h=7 m=45 s=53
